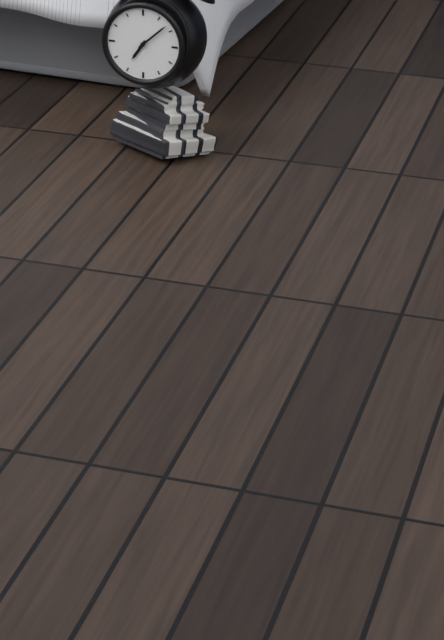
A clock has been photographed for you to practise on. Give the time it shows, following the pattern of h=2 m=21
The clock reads h=7 m=8
